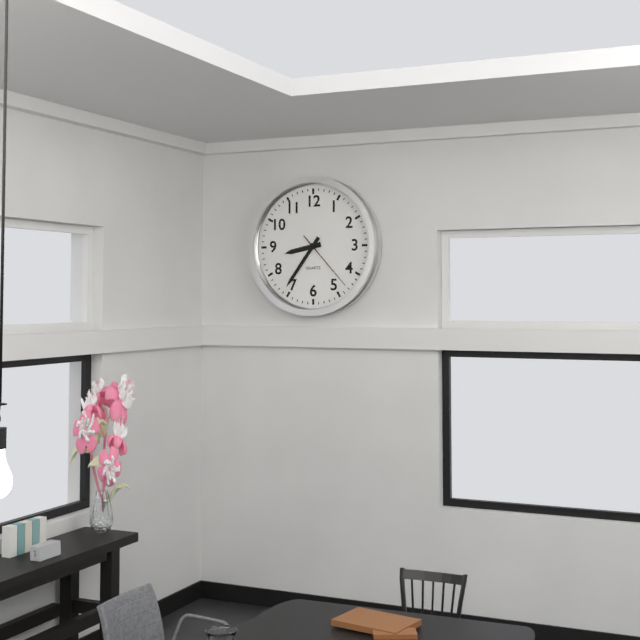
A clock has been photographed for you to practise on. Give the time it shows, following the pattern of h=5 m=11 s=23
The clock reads h=8 m=36 s=23
